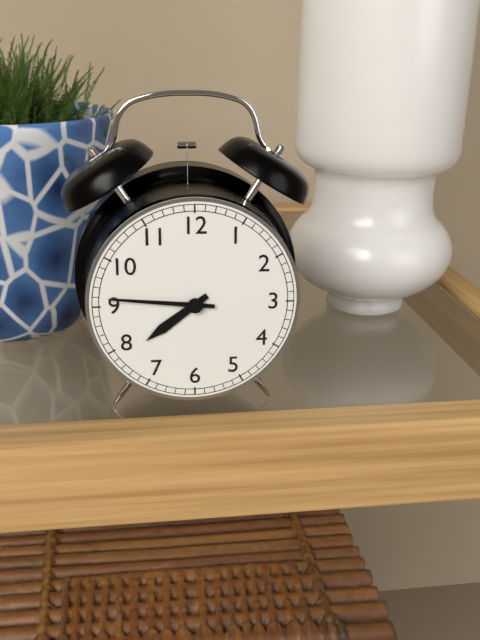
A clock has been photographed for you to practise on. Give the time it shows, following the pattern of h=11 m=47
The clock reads h=7 m=46
